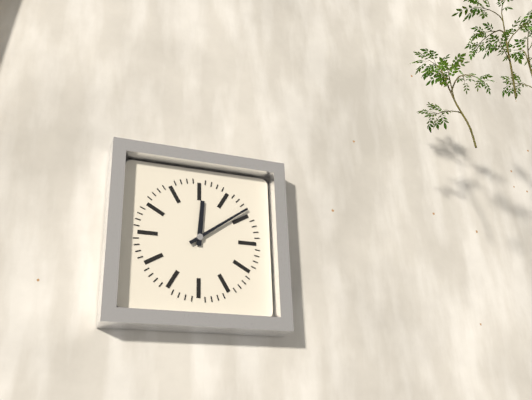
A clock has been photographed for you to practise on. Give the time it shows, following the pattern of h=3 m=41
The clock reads h=12 m=9
